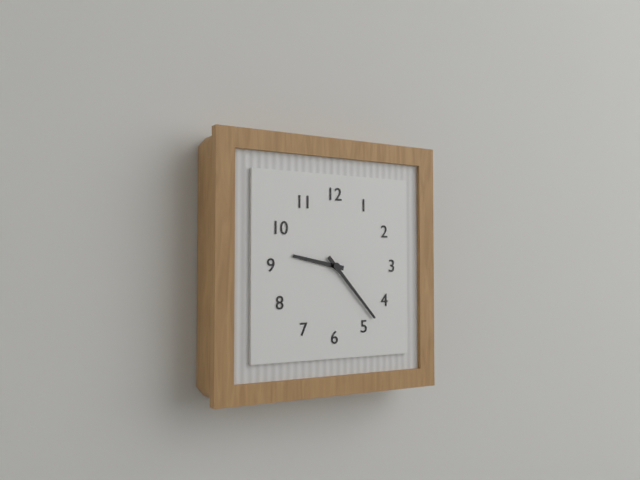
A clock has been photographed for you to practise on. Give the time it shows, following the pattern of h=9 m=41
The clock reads h=9 m=23
